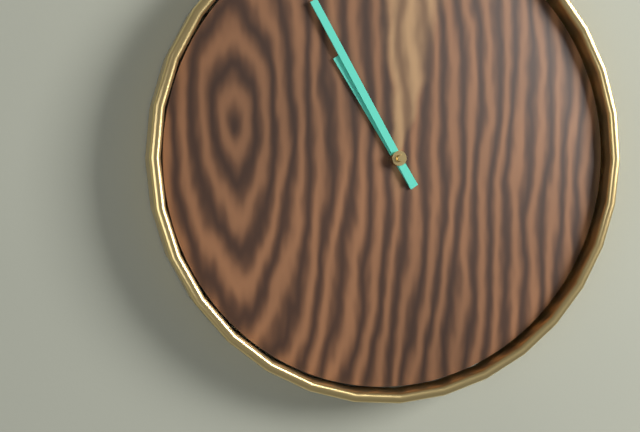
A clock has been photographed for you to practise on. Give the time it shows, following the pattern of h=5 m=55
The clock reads h=10 m=55
